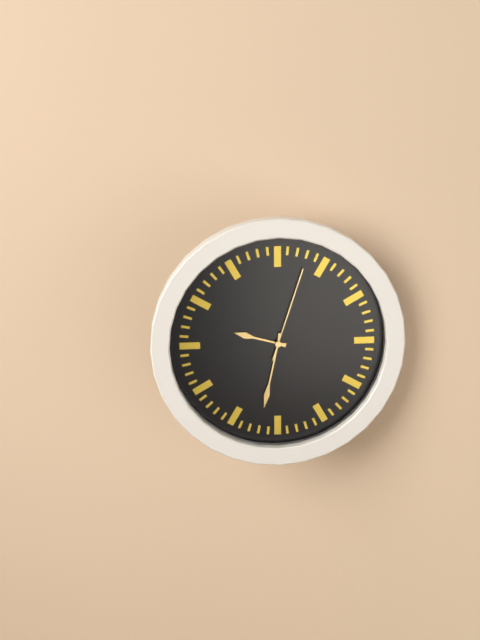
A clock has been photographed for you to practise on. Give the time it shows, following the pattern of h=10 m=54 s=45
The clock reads h=9 m=32 s=3
